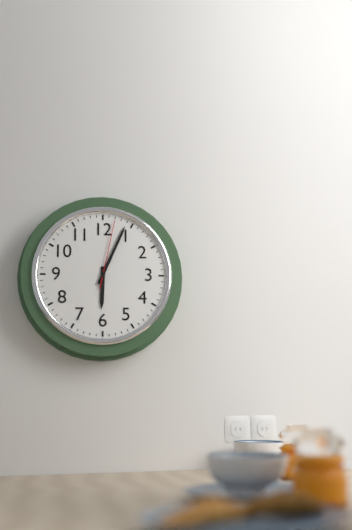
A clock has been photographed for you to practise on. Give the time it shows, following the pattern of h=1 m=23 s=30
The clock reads h=6 m=4 s=2
